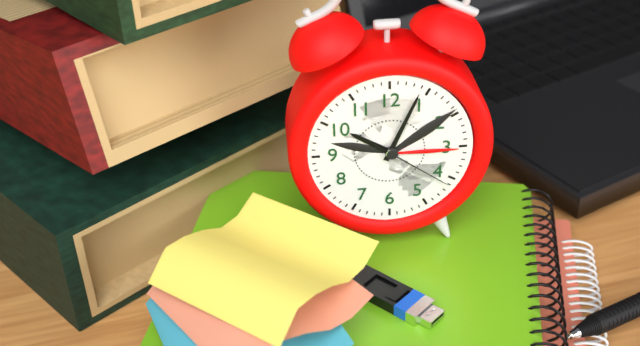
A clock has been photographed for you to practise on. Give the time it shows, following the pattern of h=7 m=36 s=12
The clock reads h=10 m=4 s=21
